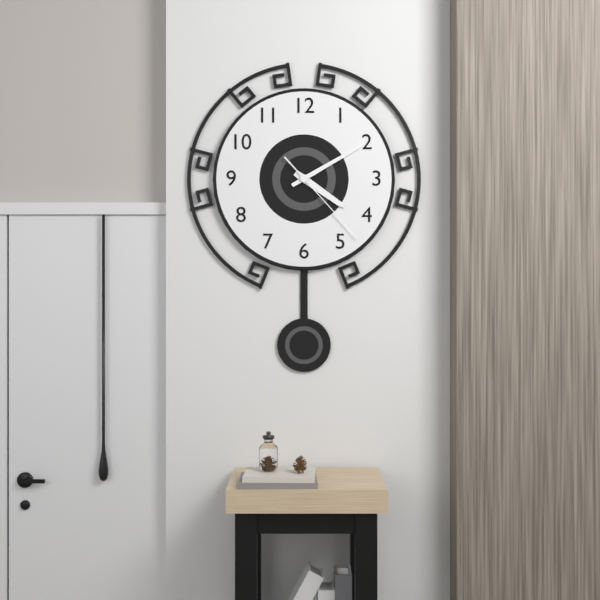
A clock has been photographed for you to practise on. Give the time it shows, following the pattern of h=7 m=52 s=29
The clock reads h=4 m=10 s=23
